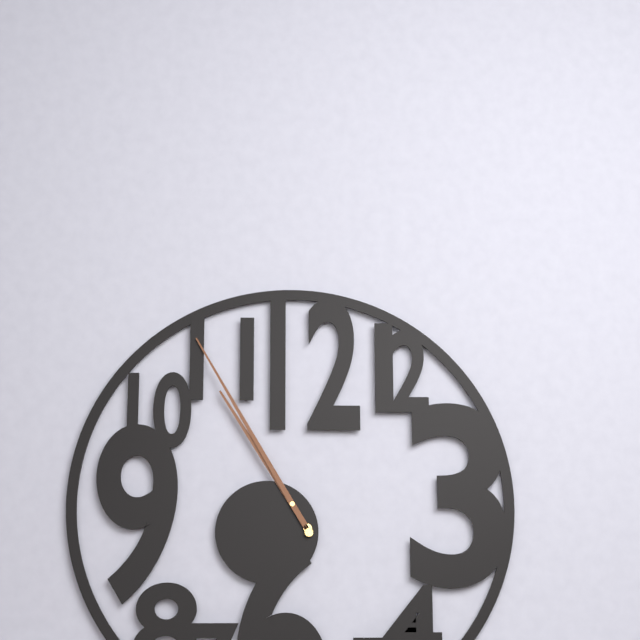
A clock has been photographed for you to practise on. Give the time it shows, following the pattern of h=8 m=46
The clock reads h=10 m=55
